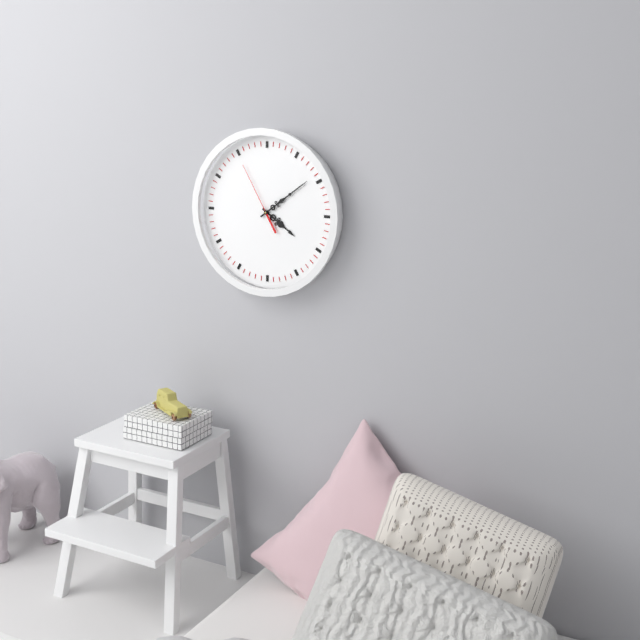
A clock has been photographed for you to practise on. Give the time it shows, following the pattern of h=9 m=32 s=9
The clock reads h=4 m=9 s=55
